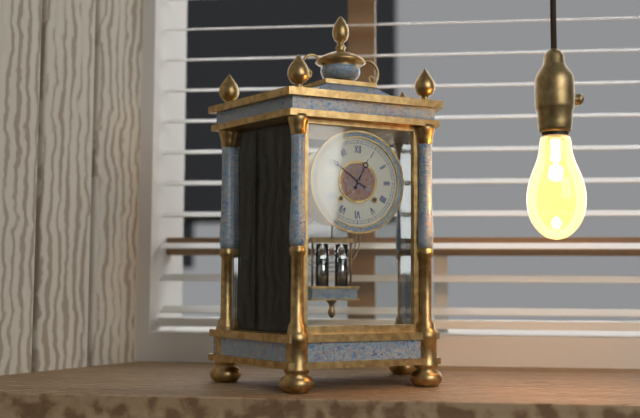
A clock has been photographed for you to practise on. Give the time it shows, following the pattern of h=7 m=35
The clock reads h=12 m=51
